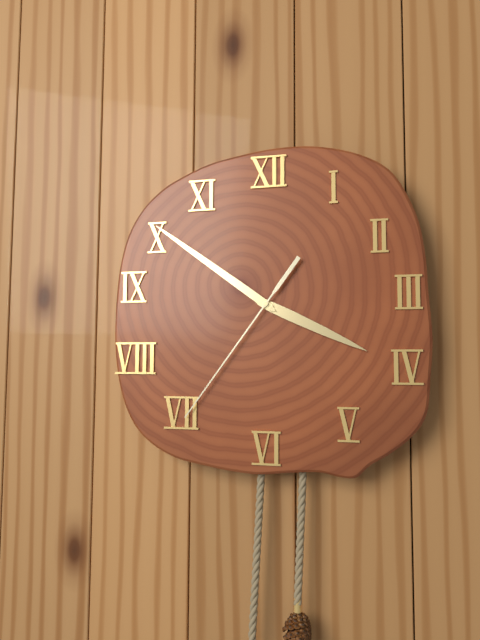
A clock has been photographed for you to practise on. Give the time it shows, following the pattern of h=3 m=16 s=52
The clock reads h=3 m=51 s=36
